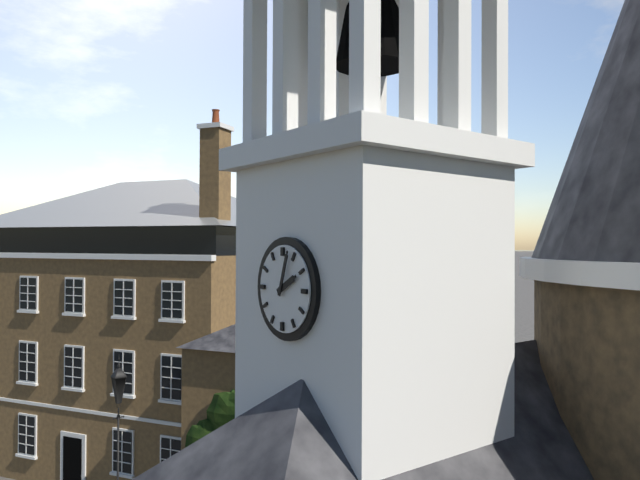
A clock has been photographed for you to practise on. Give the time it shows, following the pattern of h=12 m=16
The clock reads h=2 m=3
